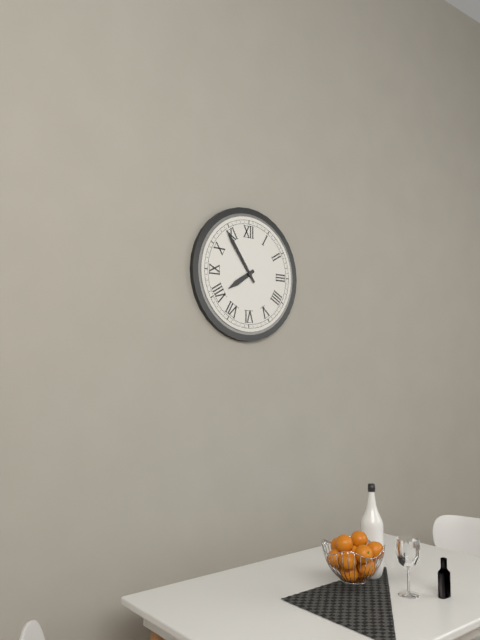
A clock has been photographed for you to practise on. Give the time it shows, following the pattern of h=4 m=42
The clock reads h=7 m=54
